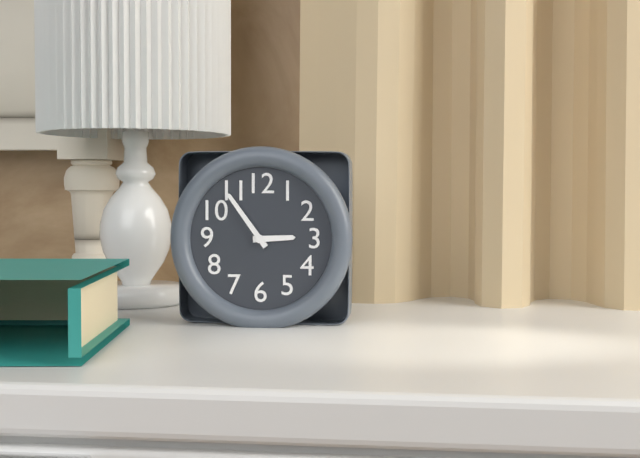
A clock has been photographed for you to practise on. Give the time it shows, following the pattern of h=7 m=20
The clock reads h=2 m=54
